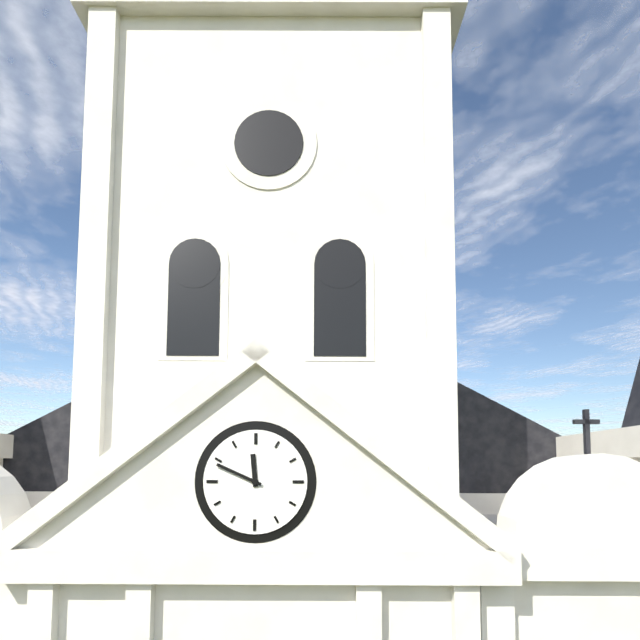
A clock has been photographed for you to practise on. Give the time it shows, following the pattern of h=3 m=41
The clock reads h=11 m=49
